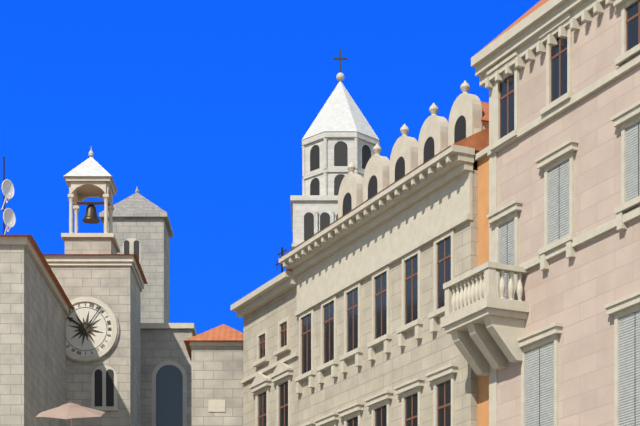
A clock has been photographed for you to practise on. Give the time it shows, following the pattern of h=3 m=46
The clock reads h=10 m=6
